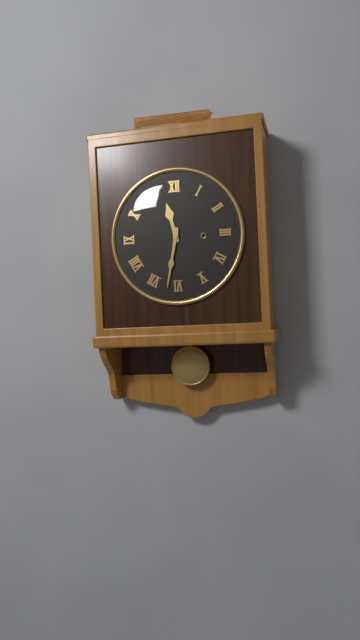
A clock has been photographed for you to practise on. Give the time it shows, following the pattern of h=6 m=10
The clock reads h=11 m=32
